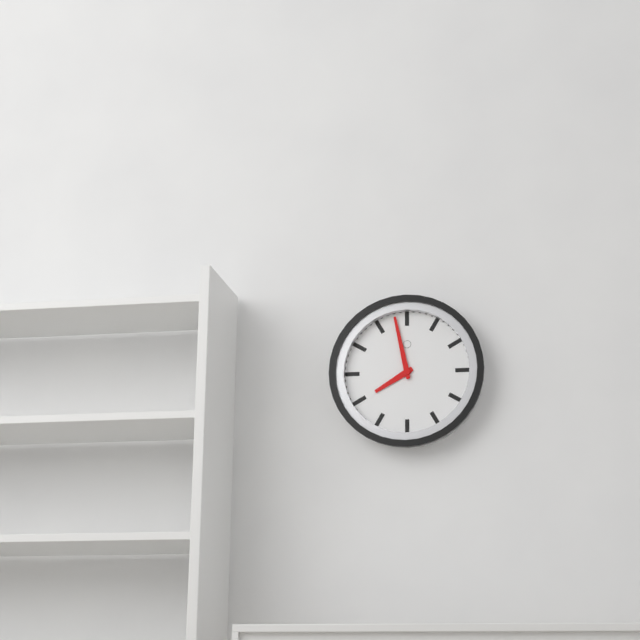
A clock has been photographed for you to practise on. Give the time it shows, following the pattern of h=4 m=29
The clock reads h=7 m=58
